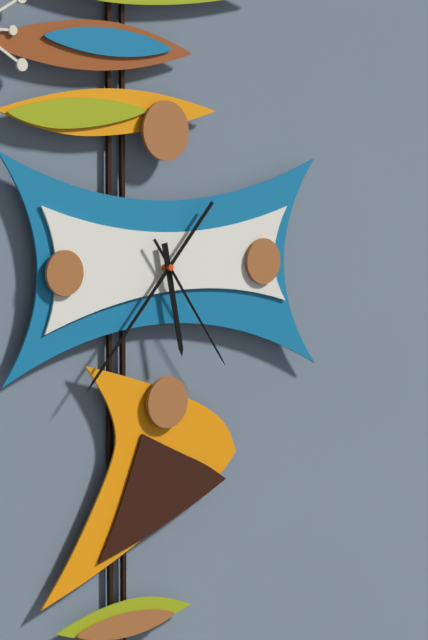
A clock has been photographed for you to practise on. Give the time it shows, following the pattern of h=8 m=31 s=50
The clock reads h=5 m=37 s=24
